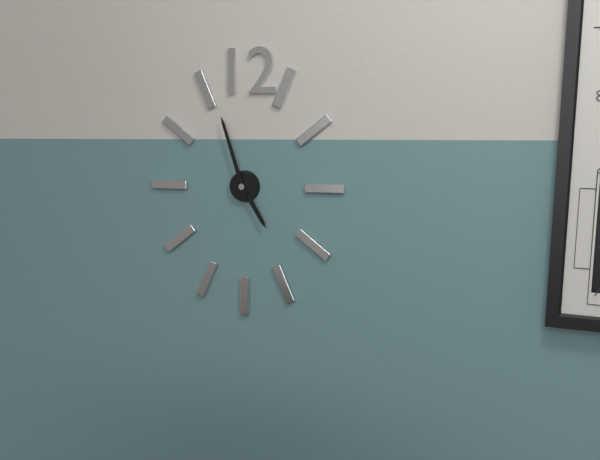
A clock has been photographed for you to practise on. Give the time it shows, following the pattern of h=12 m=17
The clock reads h=4 m=57
